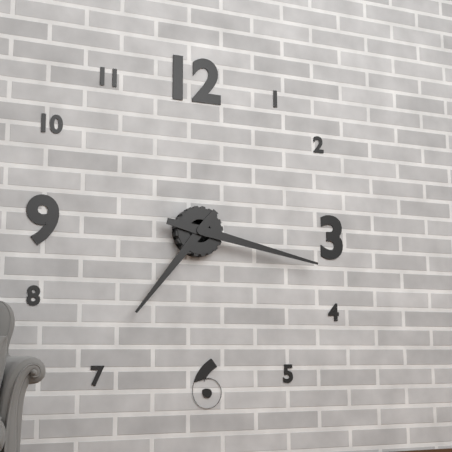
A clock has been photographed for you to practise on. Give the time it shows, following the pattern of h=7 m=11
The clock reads h=7 m=17
